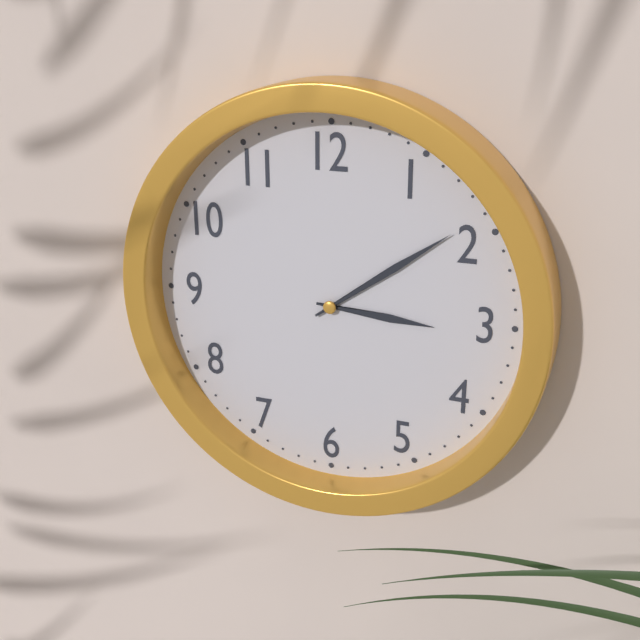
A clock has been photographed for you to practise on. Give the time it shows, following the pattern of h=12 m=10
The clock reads h=3 m=9
